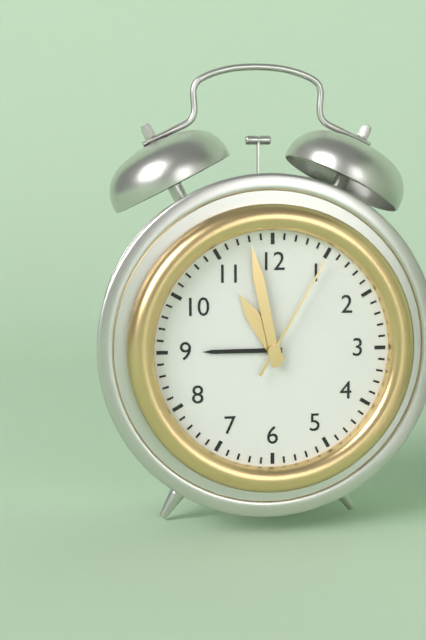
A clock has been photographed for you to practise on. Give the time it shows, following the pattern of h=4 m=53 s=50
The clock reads h=10 m=58 s=5
